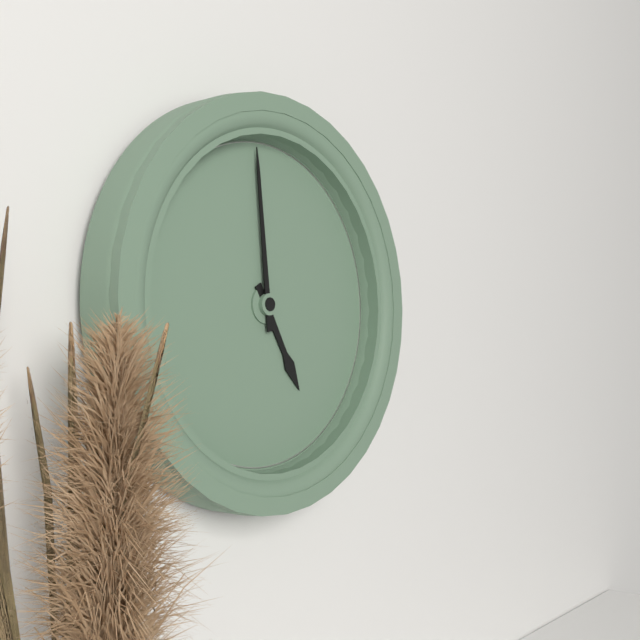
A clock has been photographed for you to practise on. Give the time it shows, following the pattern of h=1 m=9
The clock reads h=4 m=59
